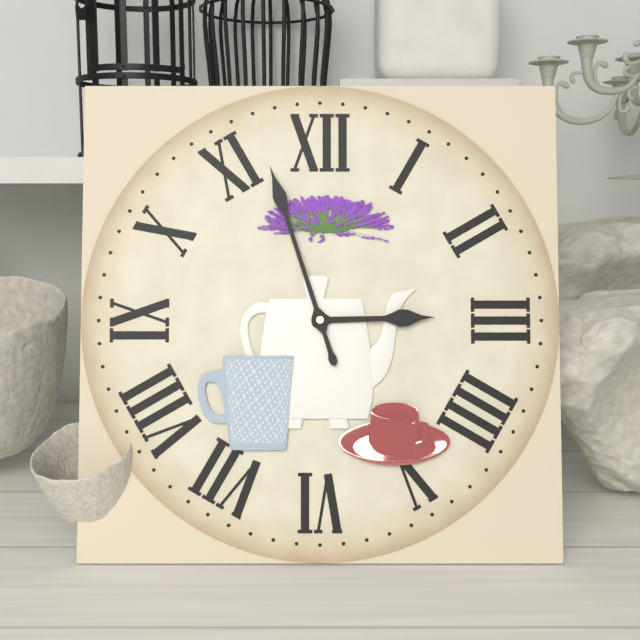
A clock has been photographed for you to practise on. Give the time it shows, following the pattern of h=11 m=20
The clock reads h=2 m=57
